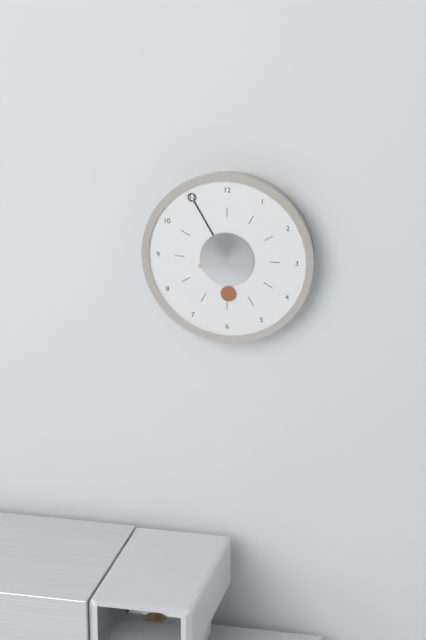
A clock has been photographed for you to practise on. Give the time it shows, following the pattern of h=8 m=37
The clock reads h=5 m=55
